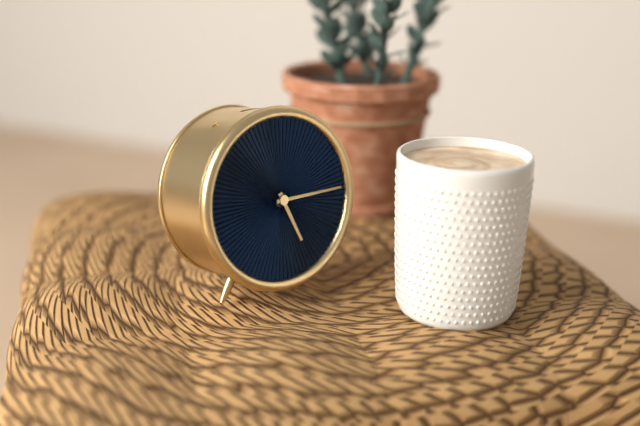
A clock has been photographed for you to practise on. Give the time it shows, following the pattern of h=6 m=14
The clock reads h=5 m=15
